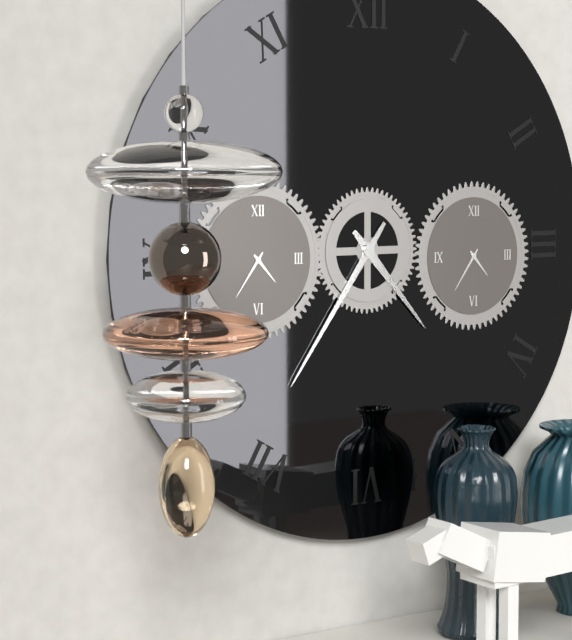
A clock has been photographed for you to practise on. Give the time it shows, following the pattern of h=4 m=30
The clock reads h=4 m=36
